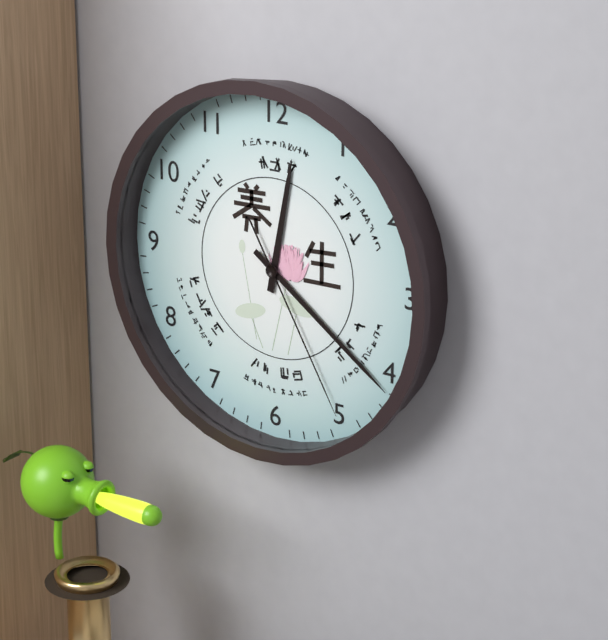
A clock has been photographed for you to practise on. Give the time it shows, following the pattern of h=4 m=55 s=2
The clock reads h=12 m=21 s=25
